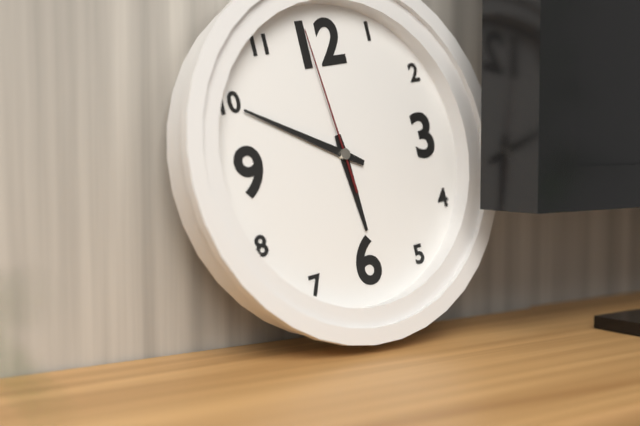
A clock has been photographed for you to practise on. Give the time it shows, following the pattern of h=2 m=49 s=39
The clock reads h=5 m=50 s=59
